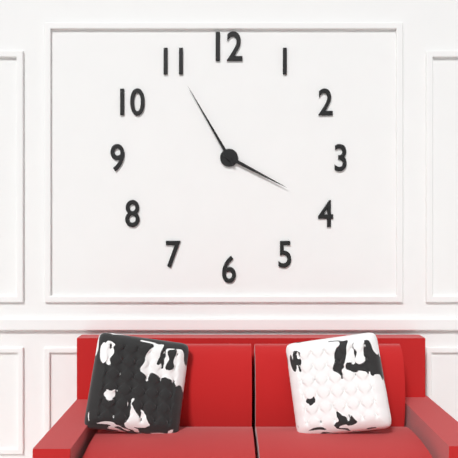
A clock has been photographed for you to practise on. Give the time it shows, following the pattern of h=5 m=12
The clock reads h=3 m=55
